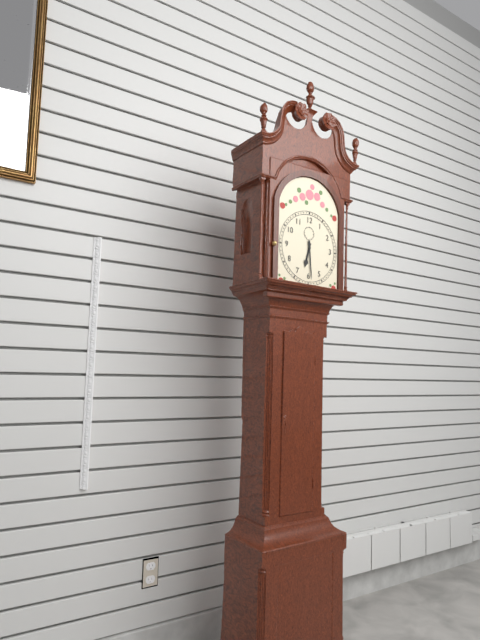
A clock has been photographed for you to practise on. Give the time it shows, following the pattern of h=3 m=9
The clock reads h=6 m=29
